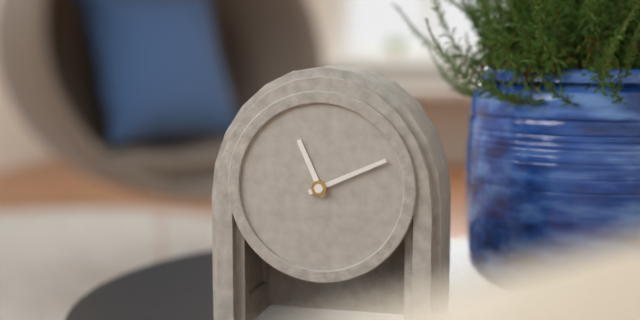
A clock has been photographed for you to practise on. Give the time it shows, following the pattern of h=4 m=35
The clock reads h=11 m=11
